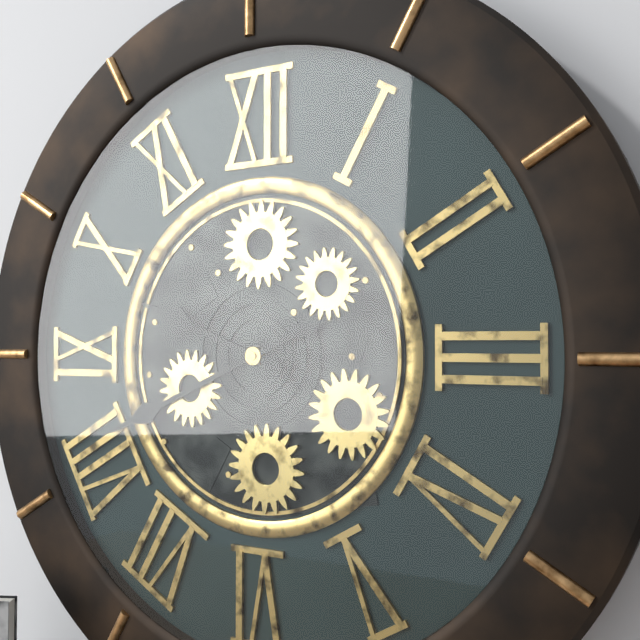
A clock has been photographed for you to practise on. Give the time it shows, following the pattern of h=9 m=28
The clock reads h=9 m=41
